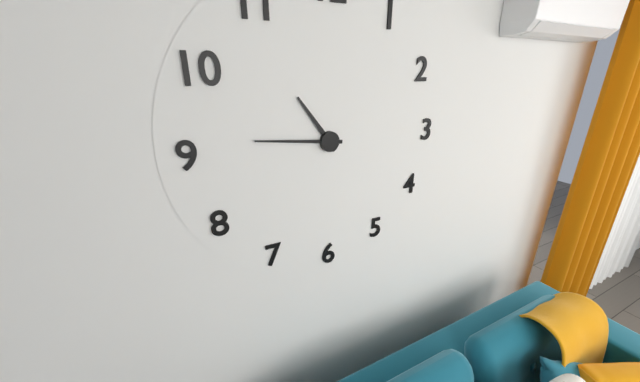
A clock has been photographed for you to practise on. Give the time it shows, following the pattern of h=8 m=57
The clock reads h=10 m=46
